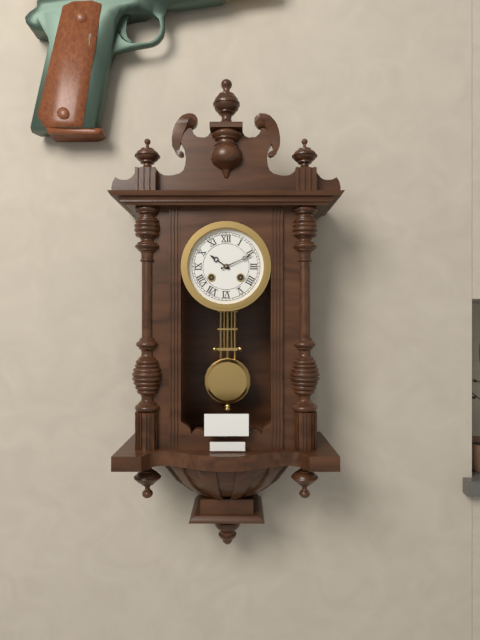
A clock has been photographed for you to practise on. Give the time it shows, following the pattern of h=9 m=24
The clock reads h=10 m=11
